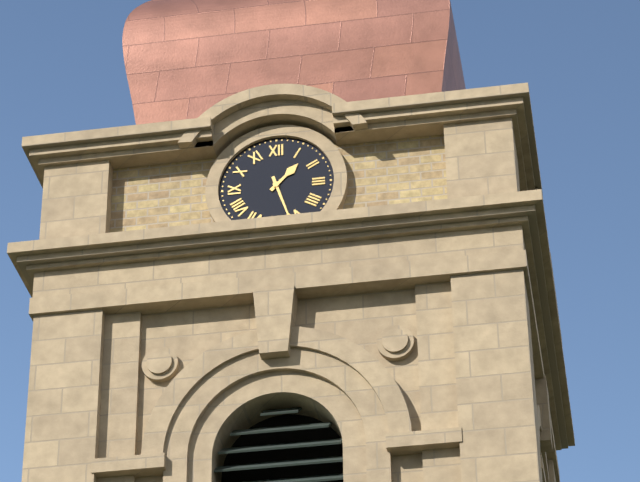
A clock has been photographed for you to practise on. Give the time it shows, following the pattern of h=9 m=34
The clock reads h=1 m=27
